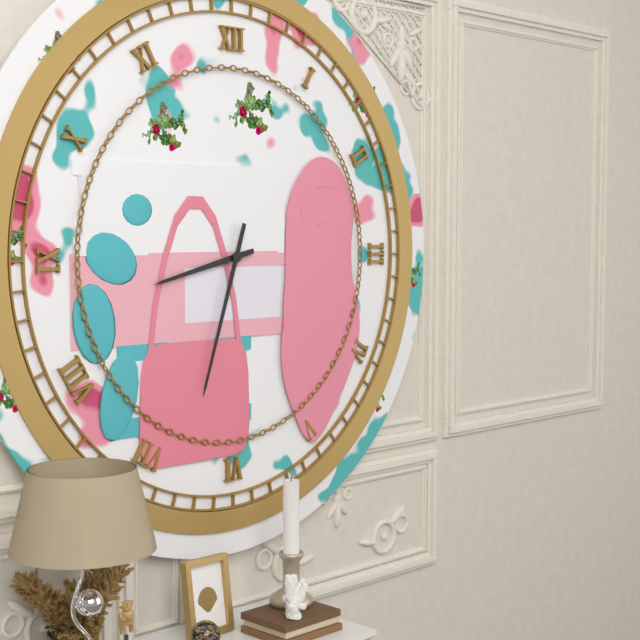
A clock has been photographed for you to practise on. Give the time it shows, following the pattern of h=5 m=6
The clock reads h=8 m=33
